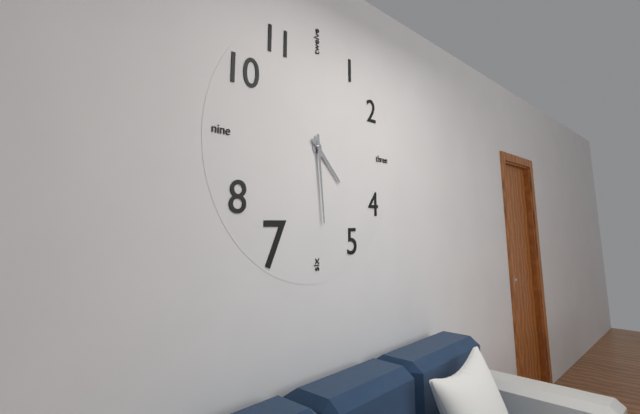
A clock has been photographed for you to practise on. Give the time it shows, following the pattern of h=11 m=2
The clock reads h=4 m=29
